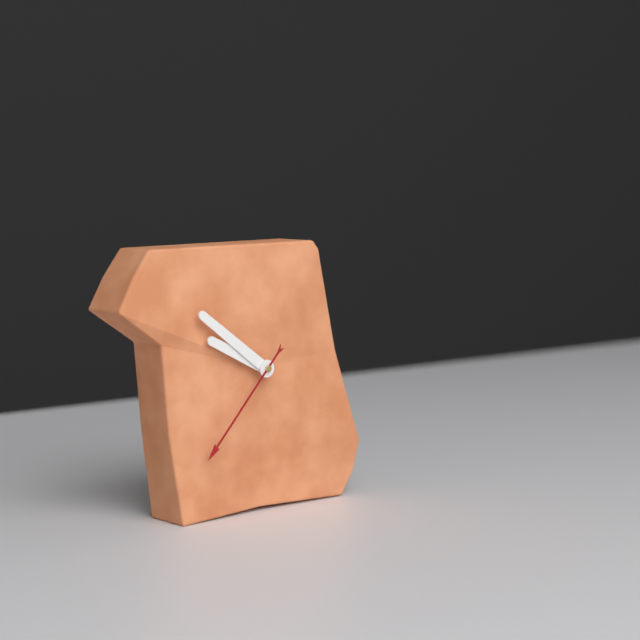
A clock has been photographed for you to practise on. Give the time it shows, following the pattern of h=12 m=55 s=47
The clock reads h=9 m=51 s=37
